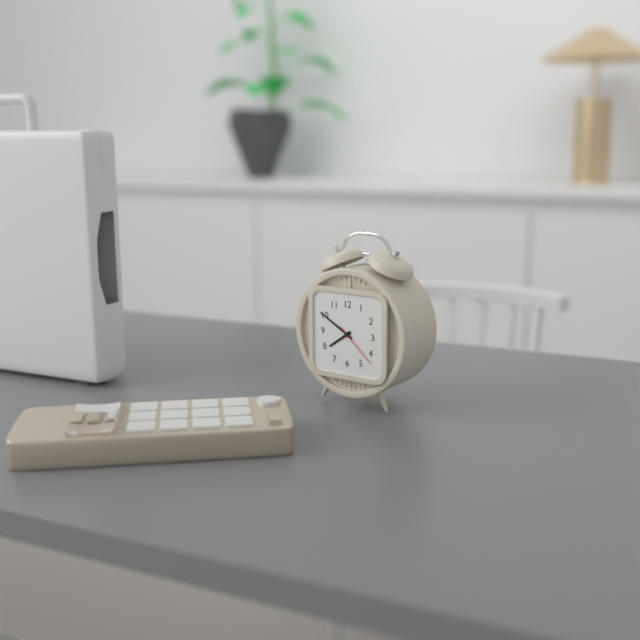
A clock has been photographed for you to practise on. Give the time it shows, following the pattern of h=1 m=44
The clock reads h=7 m=50
